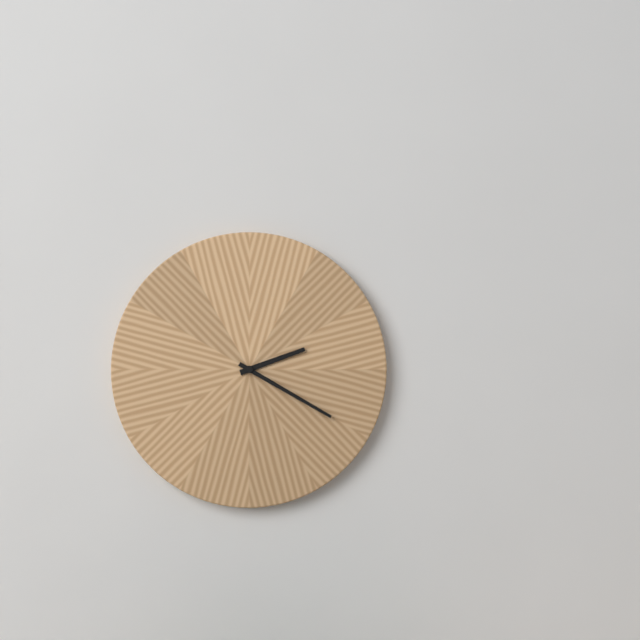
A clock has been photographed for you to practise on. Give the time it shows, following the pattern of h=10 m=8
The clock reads h=2 m=20
